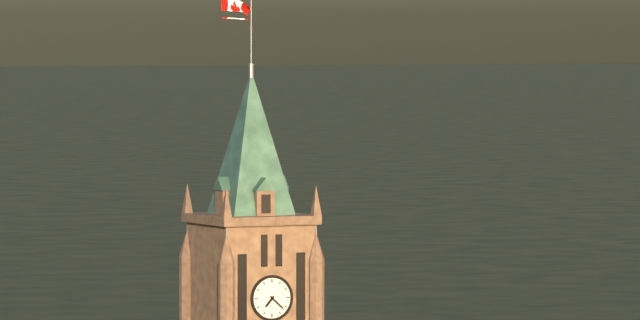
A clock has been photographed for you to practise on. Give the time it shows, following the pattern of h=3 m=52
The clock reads h=7 m=22
